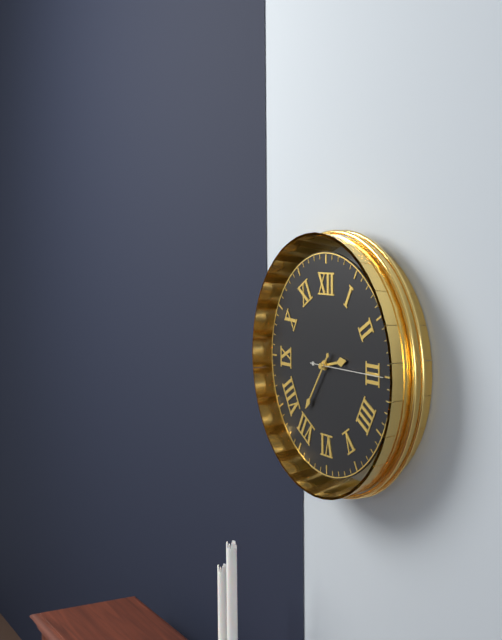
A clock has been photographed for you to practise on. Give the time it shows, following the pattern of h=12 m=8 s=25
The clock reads h=2 m=36 s=15
